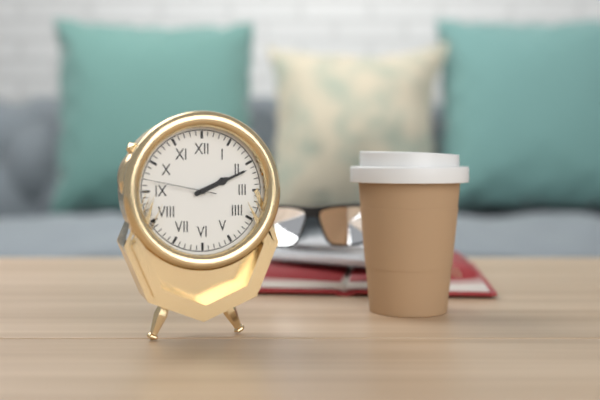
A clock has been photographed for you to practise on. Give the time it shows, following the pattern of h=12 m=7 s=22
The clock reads h=2 m=11 s=47
